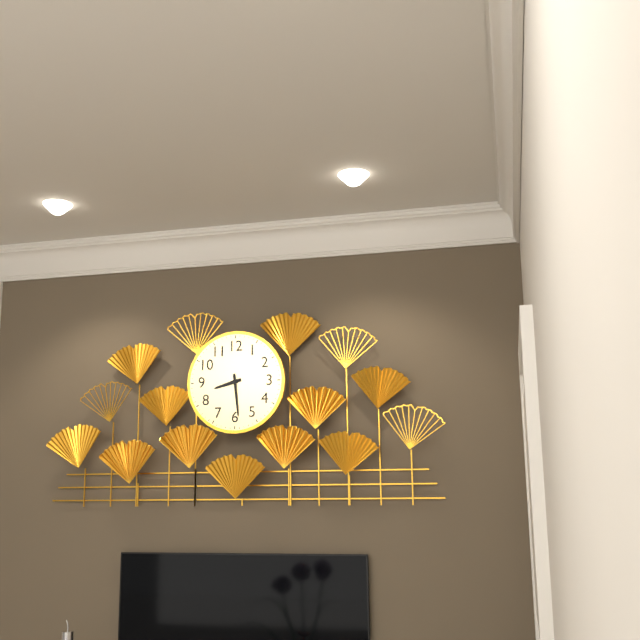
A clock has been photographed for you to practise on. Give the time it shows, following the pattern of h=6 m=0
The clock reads h=8 m=29
